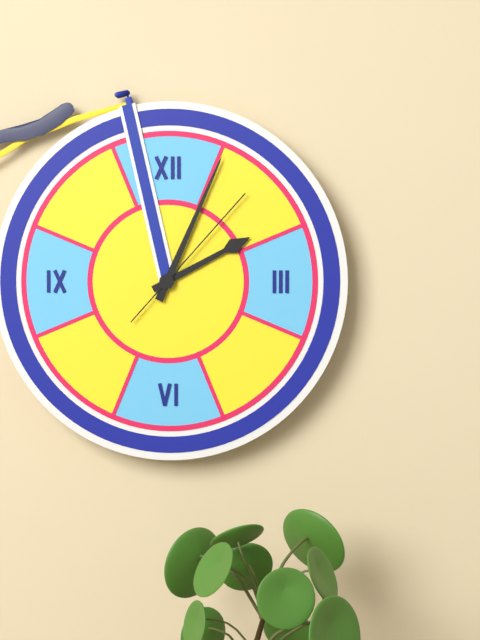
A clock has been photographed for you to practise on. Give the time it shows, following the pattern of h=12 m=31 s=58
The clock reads h=2 m=4 s=7
